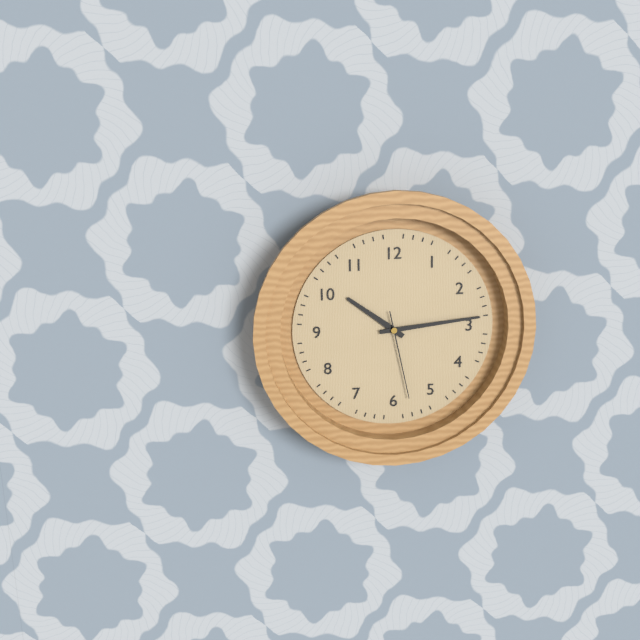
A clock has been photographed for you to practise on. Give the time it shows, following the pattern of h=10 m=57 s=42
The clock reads h=10 m=14 s=28
